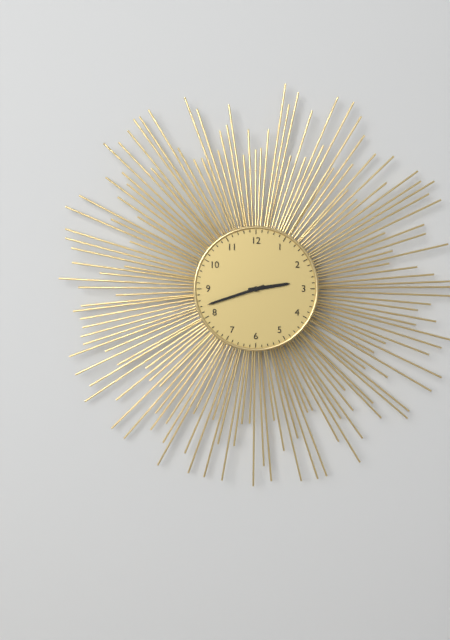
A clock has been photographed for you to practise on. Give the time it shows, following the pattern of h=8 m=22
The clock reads h=2 m=42
